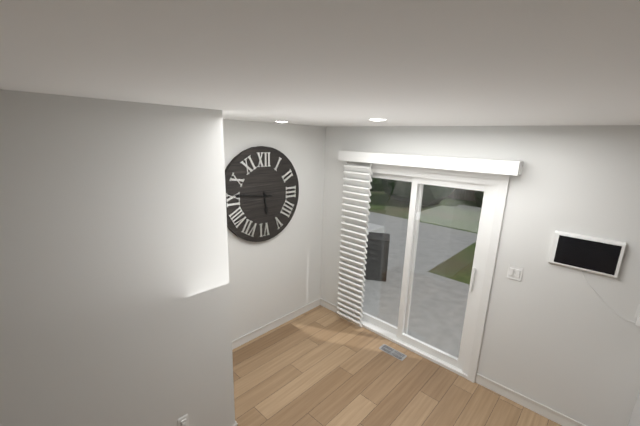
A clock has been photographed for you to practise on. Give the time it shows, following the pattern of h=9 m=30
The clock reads h=5 m=46
